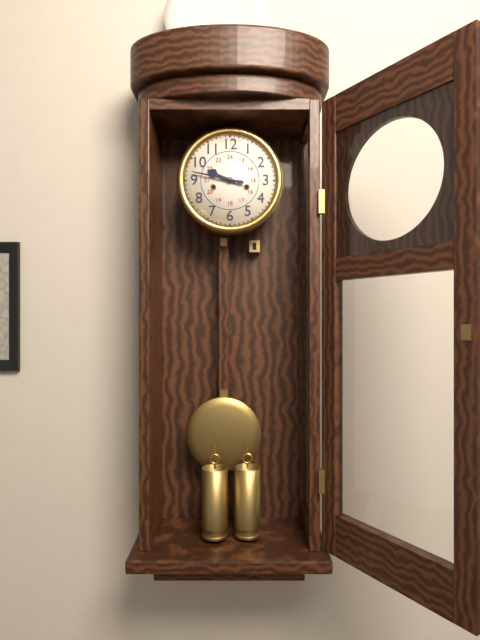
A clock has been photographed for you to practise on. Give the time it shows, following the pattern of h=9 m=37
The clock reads h=9 m=47
